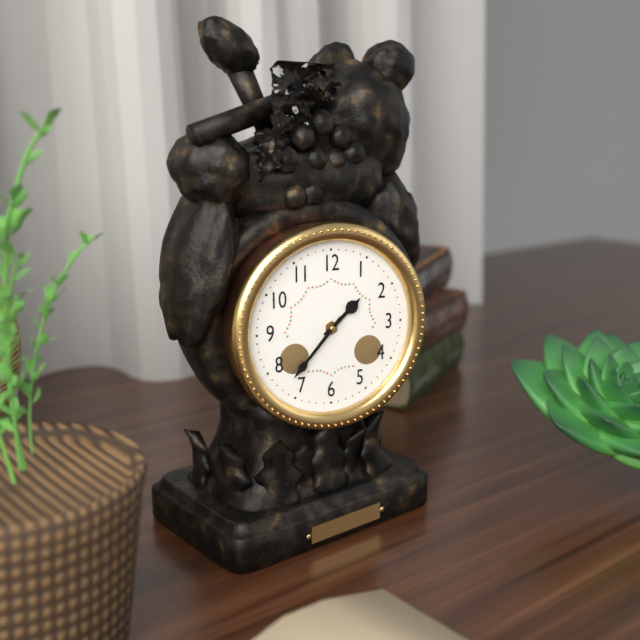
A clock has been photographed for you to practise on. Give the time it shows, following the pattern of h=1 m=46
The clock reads h=1 m=37
